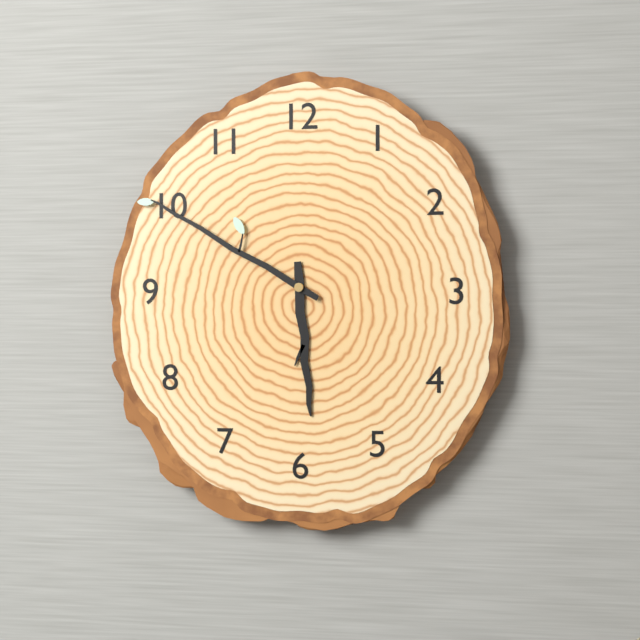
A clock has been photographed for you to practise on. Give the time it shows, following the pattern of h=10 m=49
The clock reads h=5 m=50
